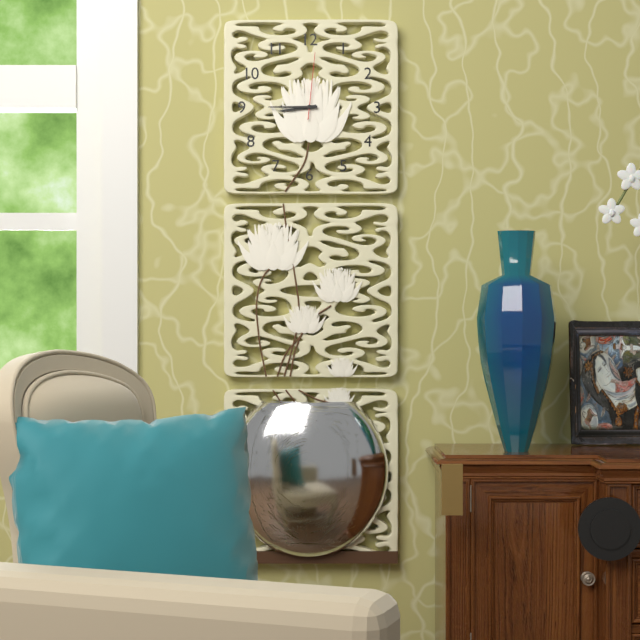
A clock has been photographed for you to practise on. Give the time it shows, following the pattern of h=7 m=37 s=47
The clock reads h=8 m=45 s=1
